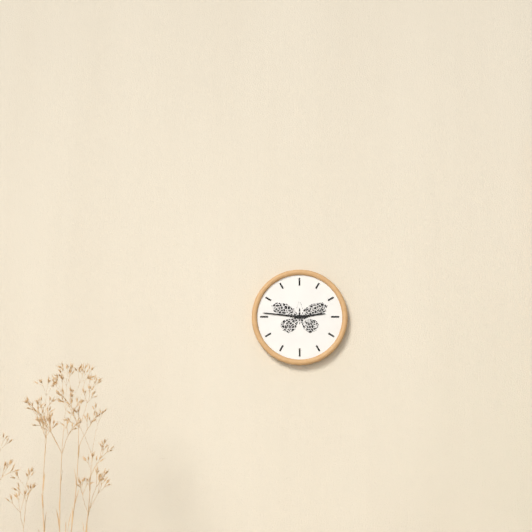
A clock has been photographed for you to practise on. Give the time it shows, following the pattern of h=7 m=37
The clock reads h=2 m=46
